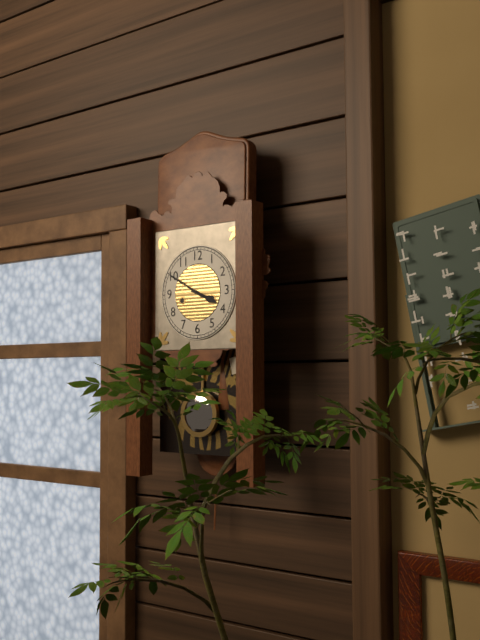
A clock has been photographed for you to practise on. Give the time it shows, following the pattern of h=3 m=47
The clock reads h=3 m=50
